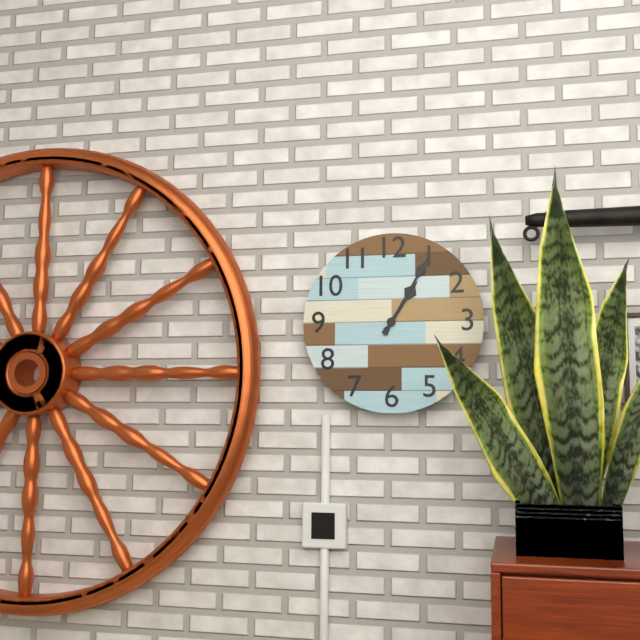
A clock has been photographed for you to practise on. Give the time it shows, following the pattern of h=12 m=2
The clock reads h=1 m=5
